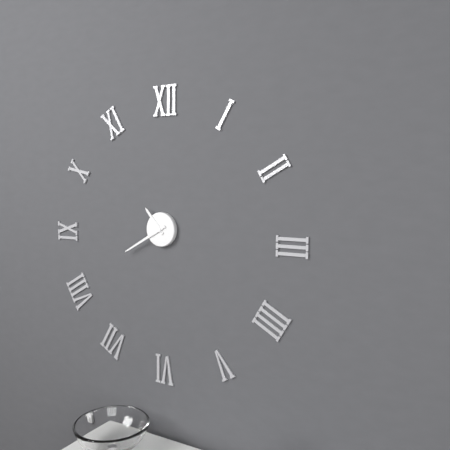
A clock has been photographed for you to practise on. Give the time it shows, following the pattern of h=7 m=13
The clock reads h=10 m=40
